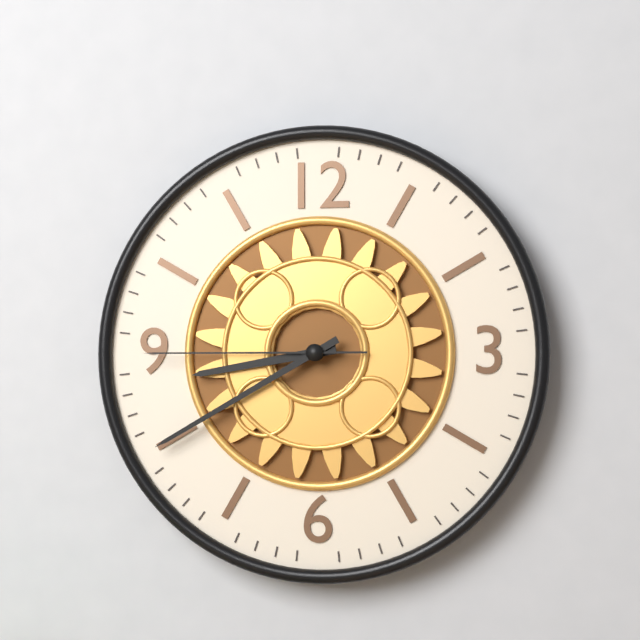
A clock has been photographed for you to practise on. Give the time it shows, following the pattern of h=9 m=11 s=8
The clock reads h=8 m=40 s=45
